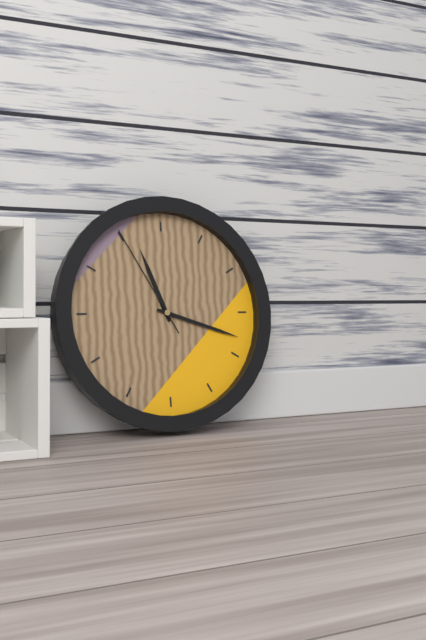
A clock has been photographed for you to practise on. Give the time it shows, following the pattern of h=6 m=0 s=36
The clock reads h=11 m=18 s=55
